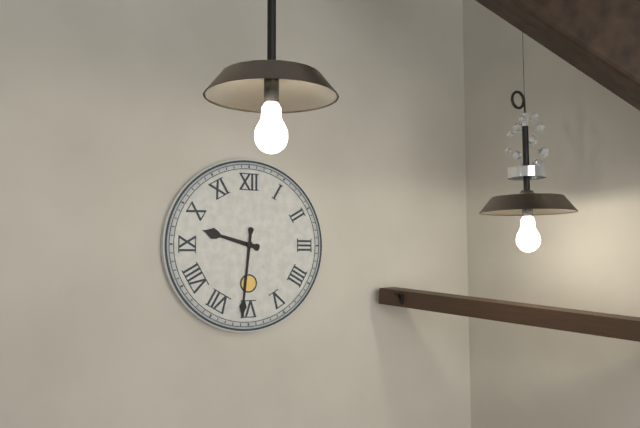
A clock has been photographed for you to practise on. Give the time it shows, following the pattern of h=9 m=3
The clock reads h=9 m=31
